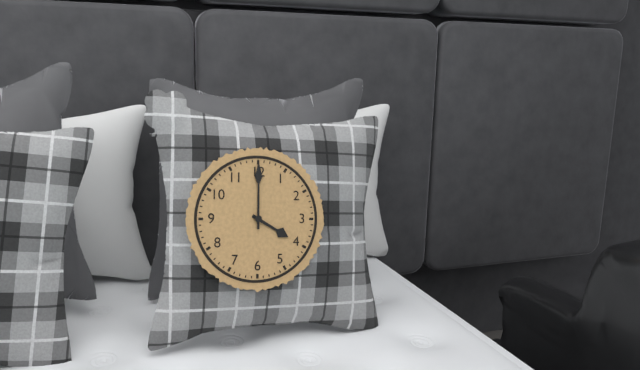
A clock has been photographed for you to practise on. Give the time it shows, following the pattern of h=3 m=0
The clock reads h=4 m=0
